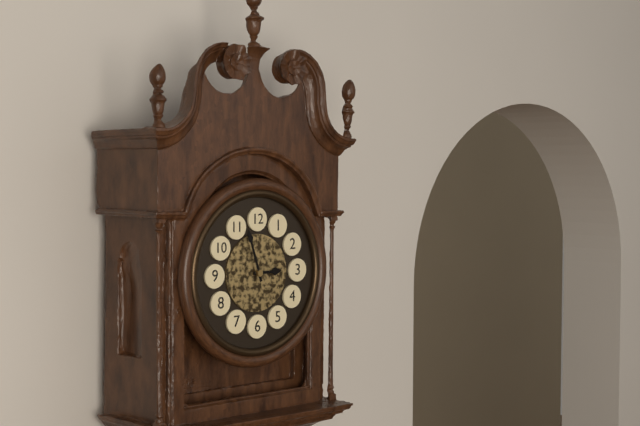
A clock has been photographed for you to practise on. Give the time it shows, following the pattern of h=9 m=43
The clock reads h=2 m=57
